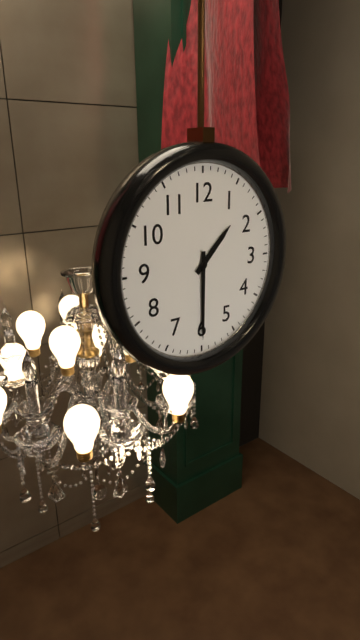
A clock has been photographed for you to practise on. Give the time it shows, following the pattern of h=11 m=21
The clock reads h=1 m=30
